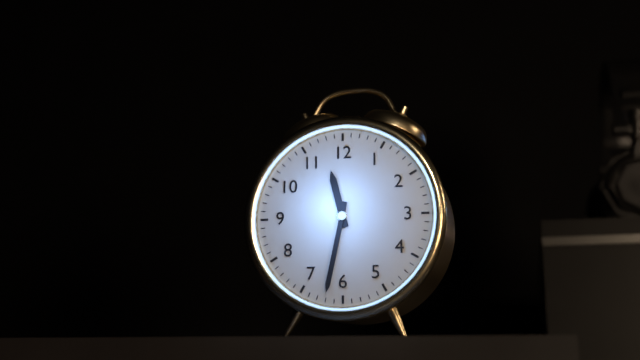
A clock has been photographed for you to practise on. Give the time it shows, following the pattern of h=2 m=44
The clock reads h=11 m=32
